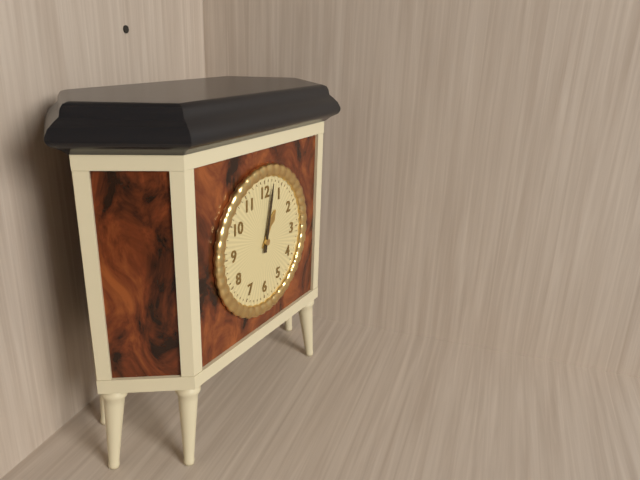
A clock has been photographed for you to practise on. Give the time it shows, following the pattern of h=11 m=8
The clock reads h=1 m=2
